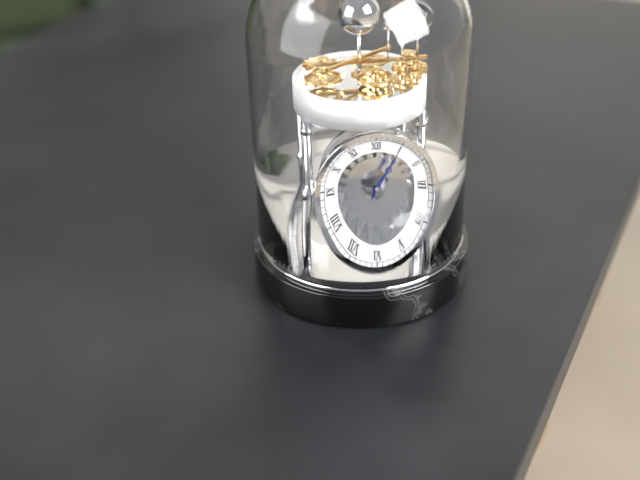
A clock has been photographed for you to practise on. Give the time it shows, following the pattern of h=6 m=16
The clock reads h=1 m=5
